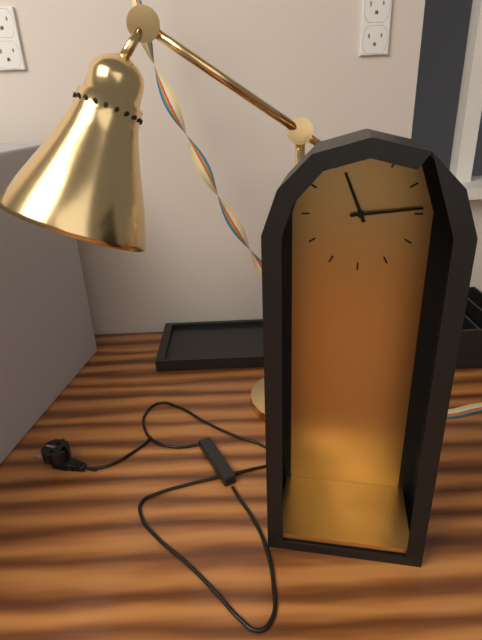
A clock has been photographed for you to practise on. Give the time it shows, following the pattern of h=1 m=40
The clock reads h=11 m=14
